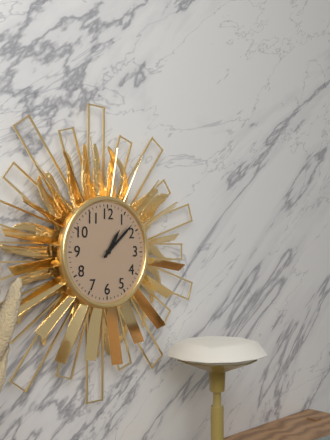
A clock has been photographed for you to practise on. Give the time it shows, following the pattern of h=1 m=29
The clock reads h=1 m=8
